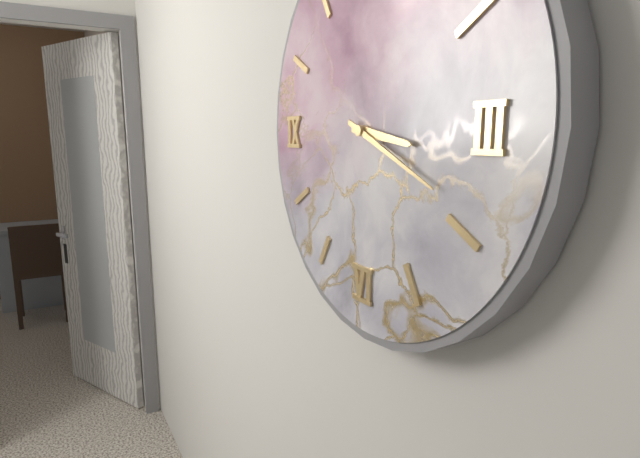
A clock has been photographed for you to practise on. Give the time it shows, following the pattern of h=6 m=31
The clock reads h=3 m=19
